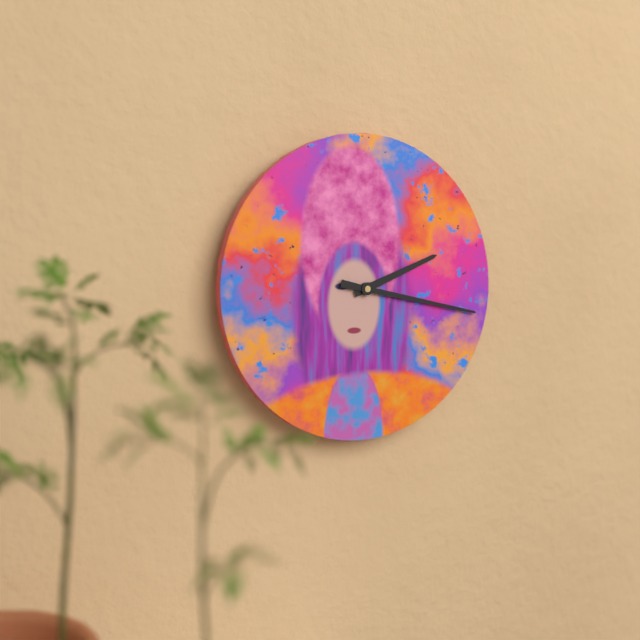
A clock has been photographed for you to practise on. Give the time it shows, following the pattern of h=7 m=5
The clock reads h=2 m=17
